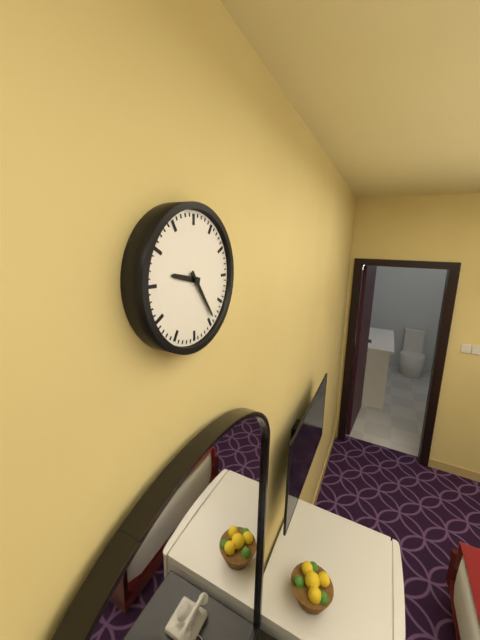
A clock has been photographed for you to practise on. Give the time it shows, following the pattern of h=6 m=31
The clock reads h=9 m=24
